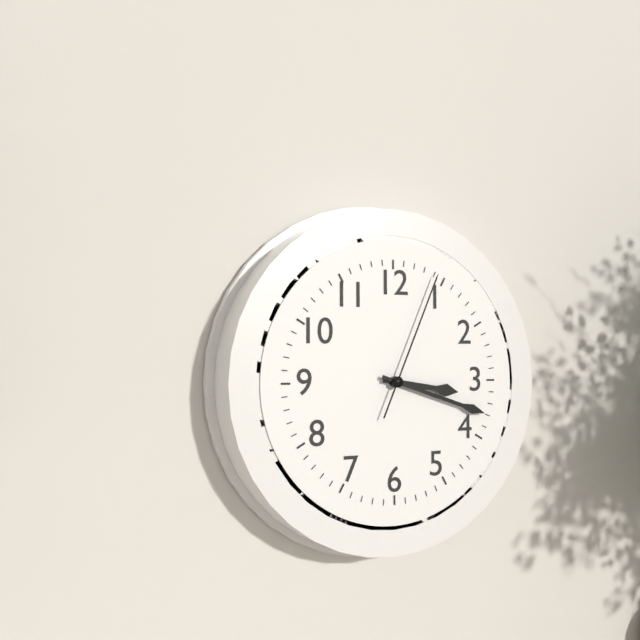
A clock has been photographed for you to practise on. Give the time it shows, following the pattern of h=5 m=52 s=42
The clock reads h=3 m=18 s=4
